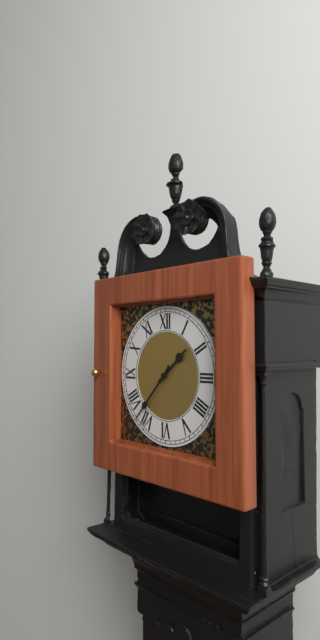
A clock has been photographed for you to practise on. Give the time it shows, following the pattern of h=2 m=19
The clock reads h=1 m=37
